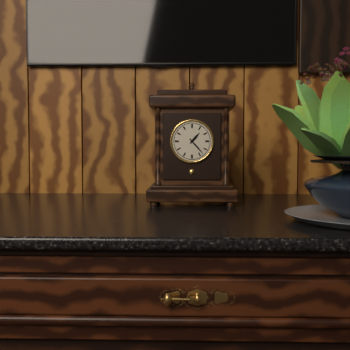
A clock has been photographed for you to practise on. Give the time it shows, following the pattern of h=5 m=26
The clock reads h=1 m=23
